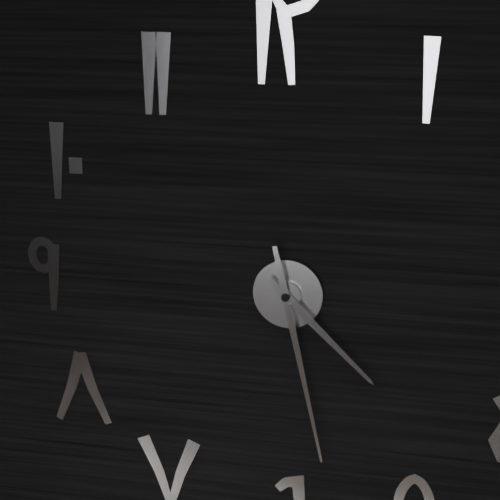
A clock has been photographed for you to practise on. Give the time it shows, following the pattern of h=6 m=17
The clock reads h=4 m=28
